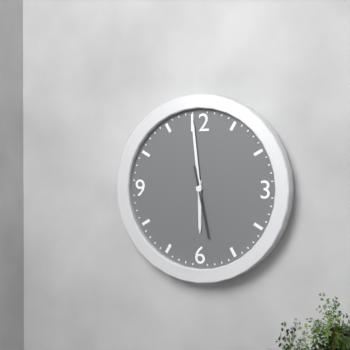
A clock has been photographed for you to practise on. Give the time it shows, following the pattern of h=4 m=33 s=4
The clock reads h=5 m=59 s=28
